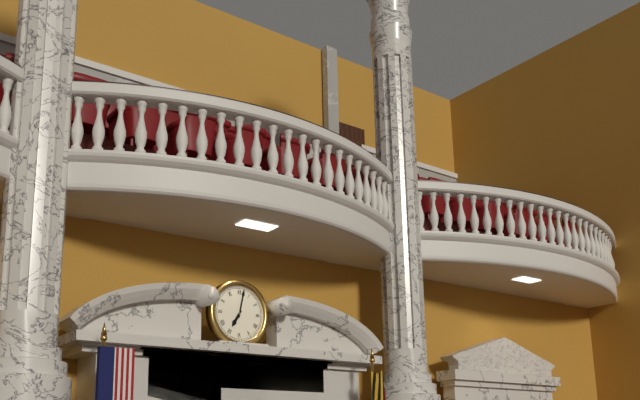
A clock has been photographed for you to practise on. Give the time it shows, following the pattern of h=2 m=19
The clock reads h=7 m=2
